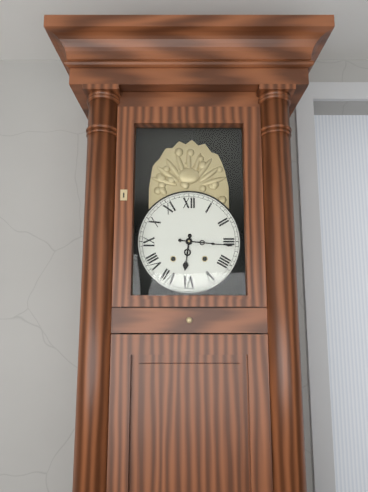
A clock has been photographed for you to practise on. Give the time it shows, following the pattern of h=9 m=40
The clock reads h=6 m=16
